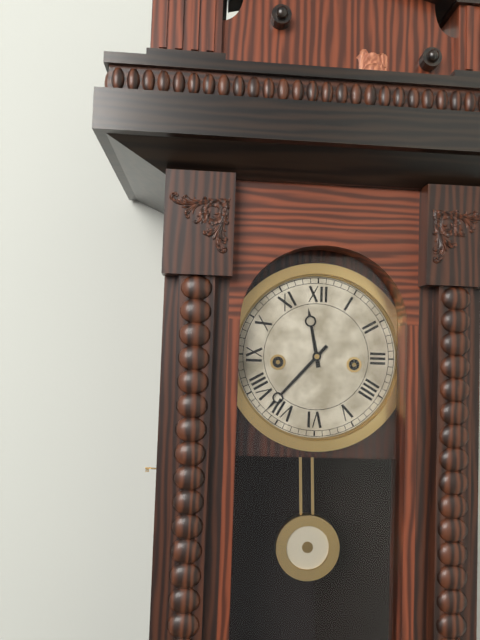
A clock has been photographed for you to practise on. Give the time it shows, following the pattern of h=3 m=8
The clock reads h=11 m=37
